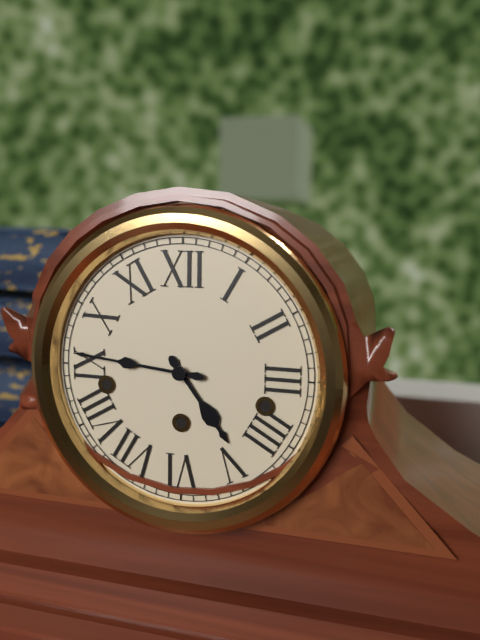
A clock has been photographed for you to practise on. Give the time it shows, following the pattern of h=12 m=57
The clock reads h=4 m=46
